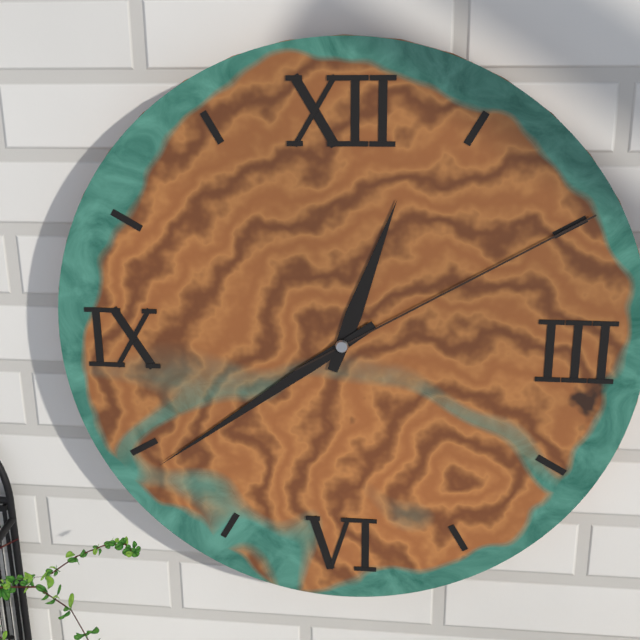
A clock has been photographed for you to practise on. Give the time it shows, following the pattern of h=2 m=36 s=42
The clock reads h=12 m=39 s=10
